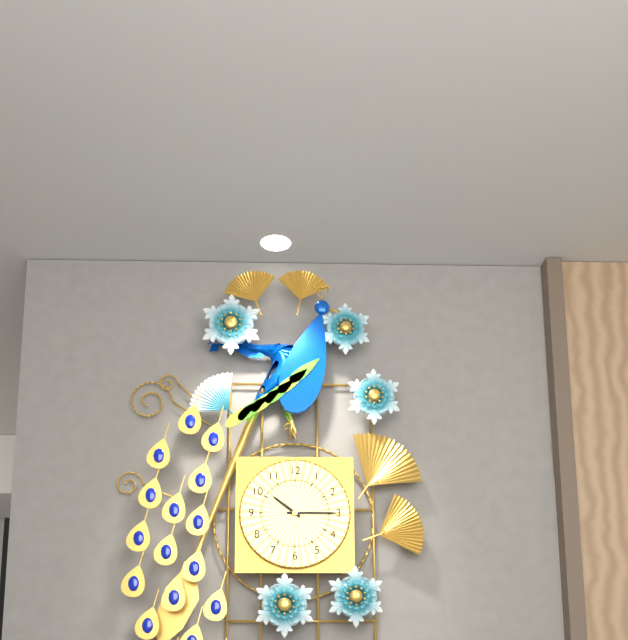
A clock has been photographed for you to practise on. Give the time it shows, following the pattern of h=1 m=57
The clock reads h=10 m=15
